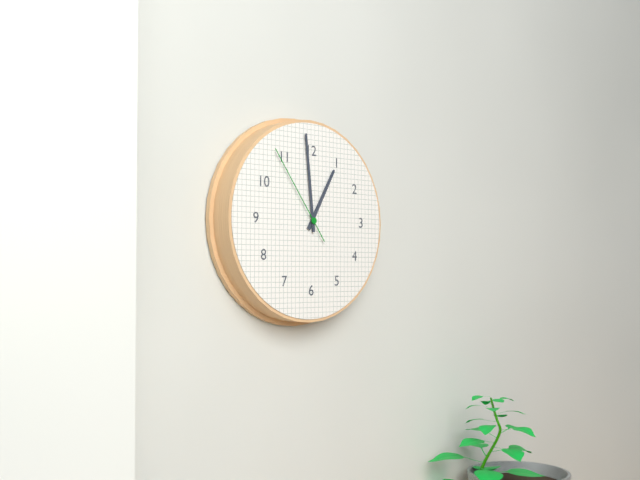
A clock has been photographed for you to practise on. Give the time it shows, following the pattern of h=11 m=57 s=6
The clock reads h=12 m=59 s=54
